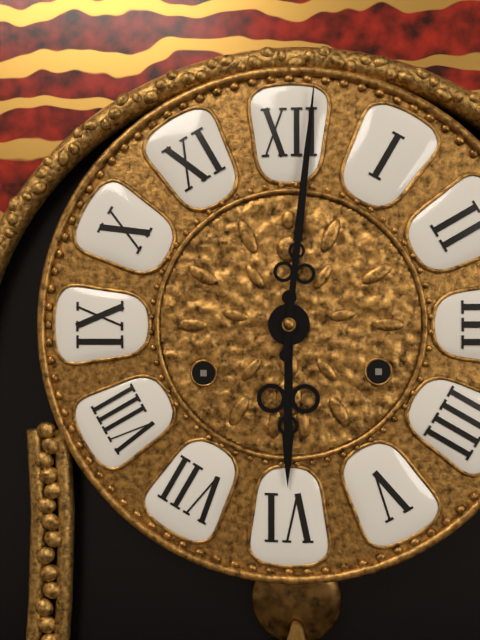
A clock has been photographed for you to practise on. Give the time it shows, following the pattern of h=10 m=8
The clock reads h=6 m=1
